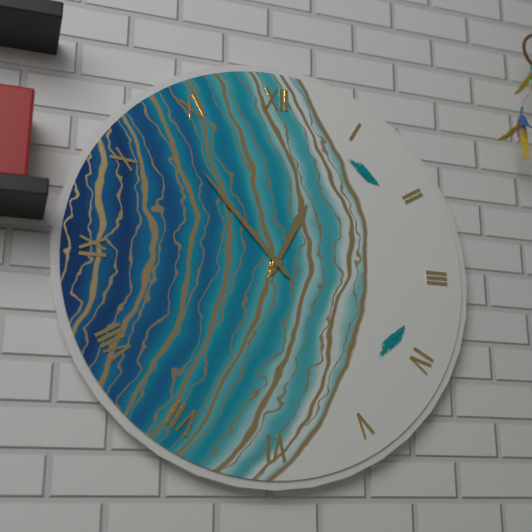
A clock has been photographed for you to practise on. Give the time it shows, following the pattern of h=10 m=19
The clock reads h=12 m=53
